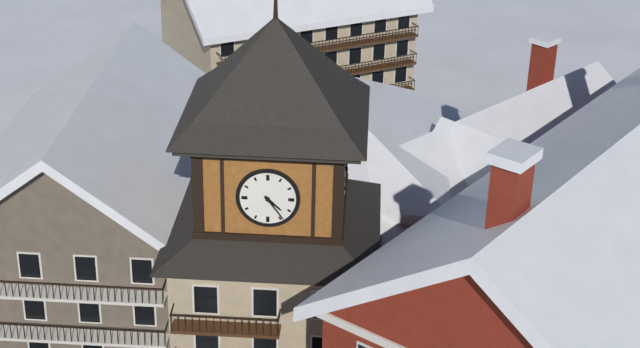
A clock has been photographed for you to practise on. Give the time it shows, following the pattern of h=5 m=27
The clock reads h=4 m=24
